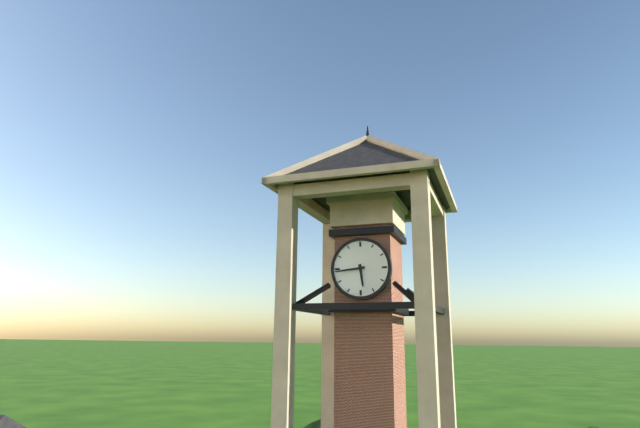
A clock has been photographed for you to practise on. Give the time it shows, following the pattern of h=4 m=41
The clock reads h=5 m=44
